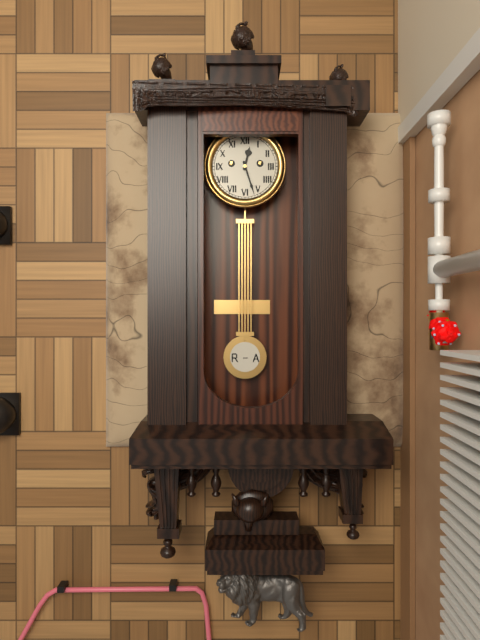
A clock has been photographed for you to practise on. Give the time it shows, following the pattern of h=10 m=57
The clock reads h=12 m=27
